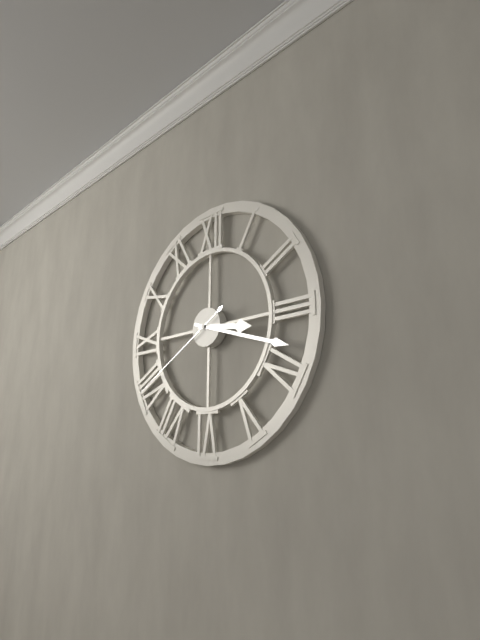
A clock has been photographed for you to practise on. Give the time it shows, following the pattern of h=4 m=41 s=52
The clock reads h=3 m=18 s=40
